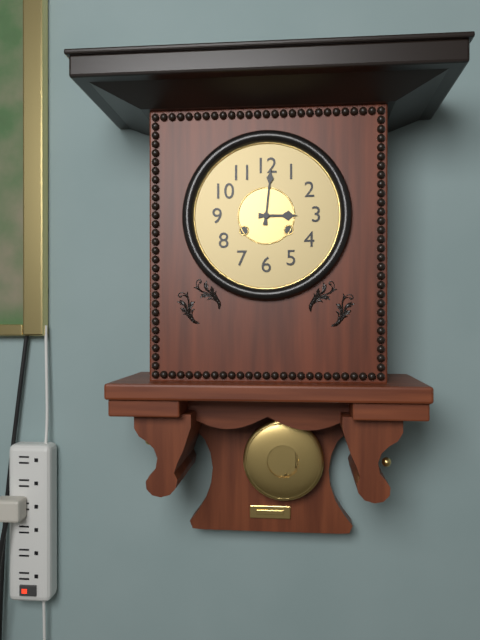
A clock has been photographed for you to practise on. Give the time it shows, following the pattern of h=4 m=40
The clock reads h=3 m=1
